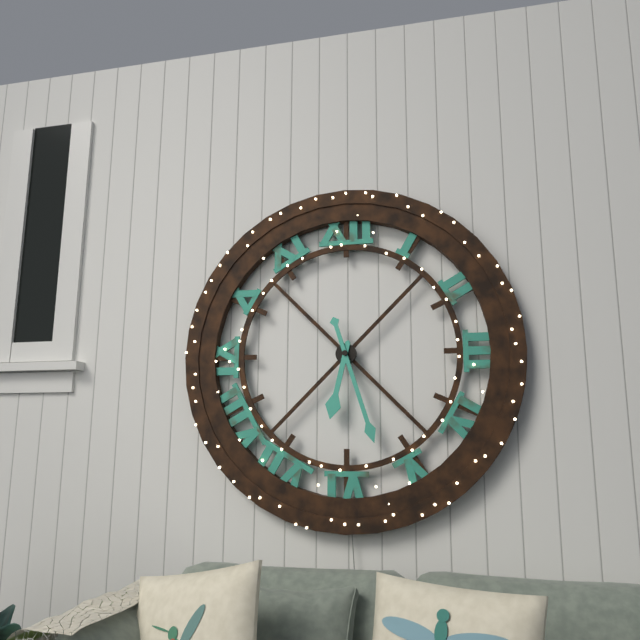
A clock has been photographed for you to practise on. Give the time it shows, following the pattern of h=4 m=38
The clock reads h=6 m=27
